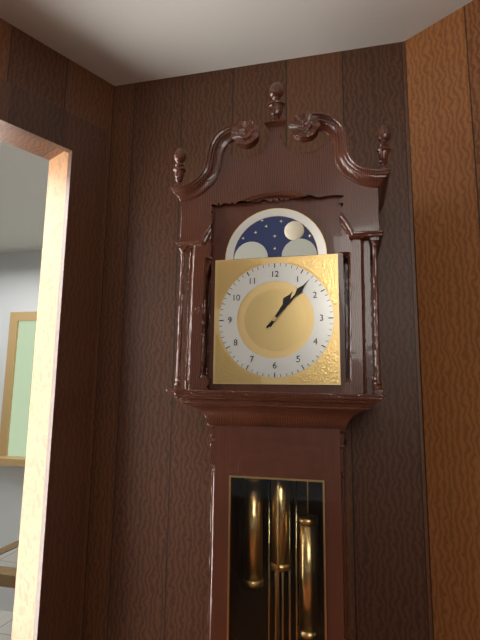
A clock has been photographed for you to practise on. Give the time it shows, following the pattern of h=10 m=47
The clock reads h=1 m=7
